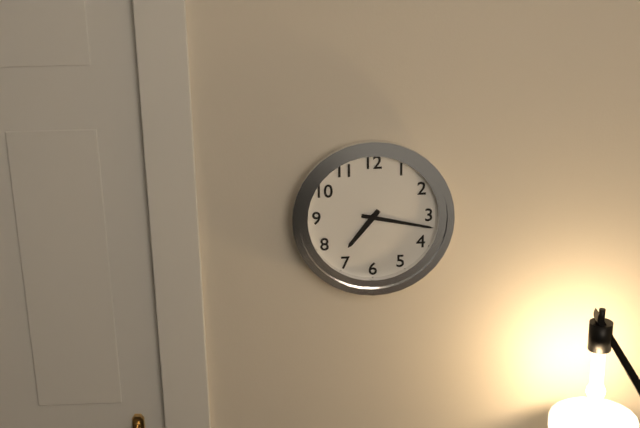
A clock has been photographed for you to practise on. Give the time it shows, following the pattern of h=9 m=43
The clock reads h=7 m=17
